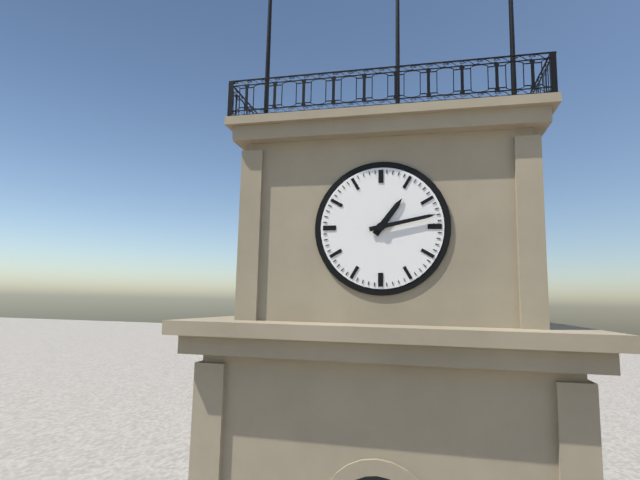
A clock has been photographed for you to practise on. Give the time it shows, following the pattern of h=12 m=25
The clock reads h=1 m=13
